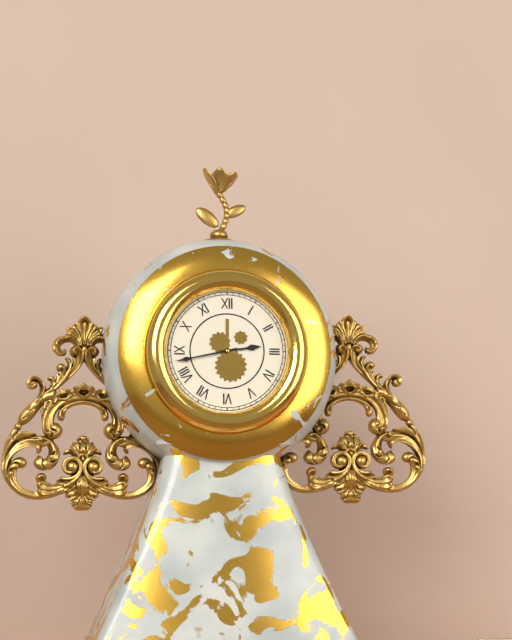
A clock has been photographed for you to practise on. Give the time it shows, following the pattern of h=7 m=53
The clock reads h=2 m=43
